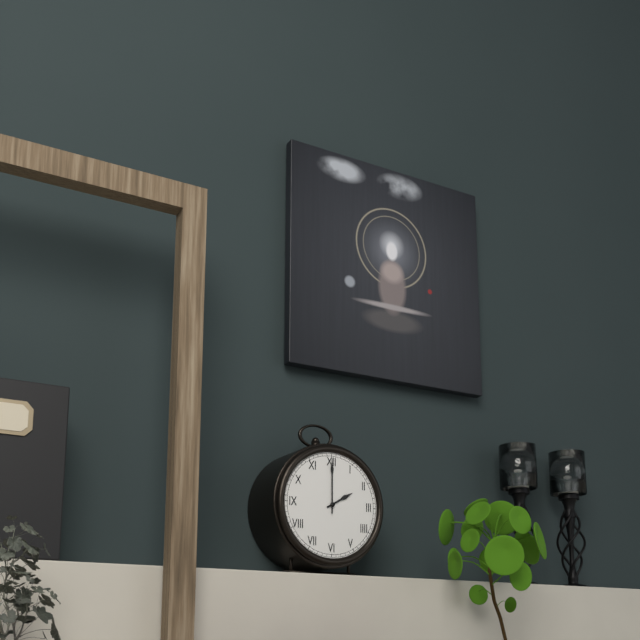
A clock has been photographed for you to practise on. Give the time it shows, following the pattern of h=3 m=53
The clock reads h=2 m=0
